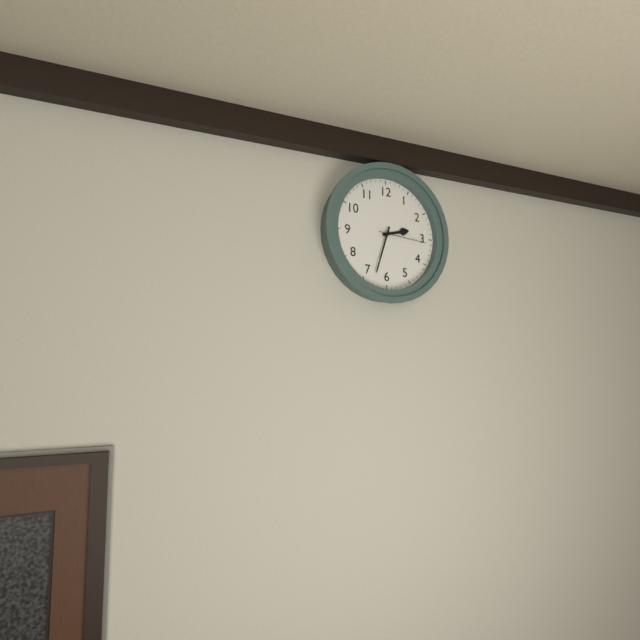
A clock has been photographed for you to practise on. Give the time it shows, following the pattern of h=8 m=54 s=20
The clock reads h=2 m=33 s=16
